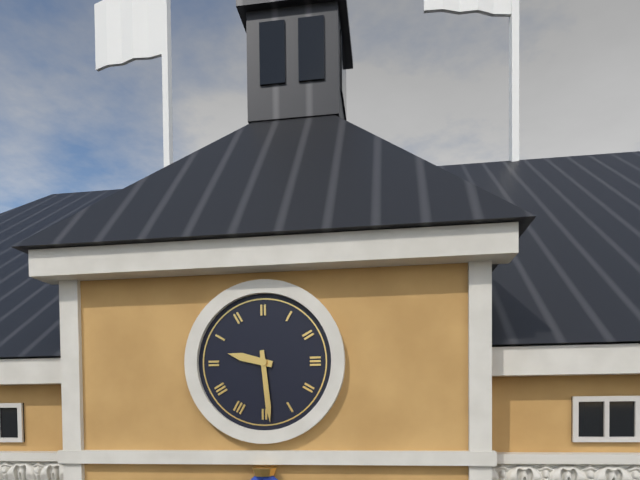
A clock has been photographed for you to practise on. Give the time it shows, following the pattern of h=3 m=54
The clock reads h=9 m=29
